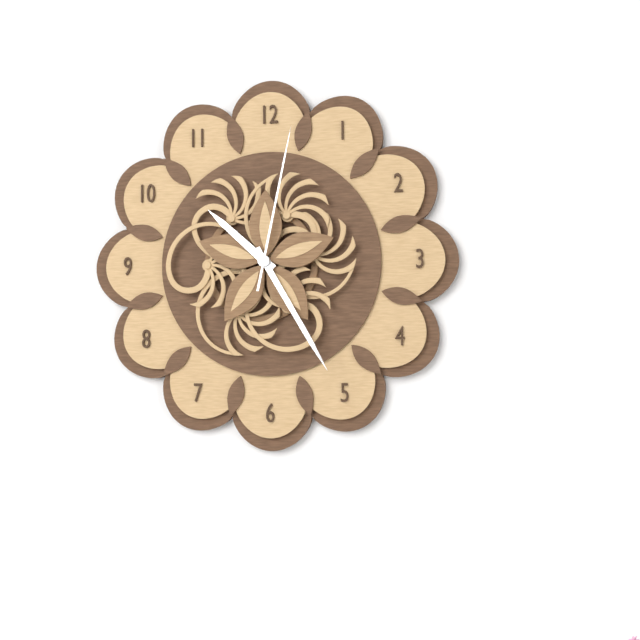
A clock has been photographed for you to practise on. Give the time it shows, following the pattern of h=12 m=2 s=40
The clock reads h=10 m=25 s=2
